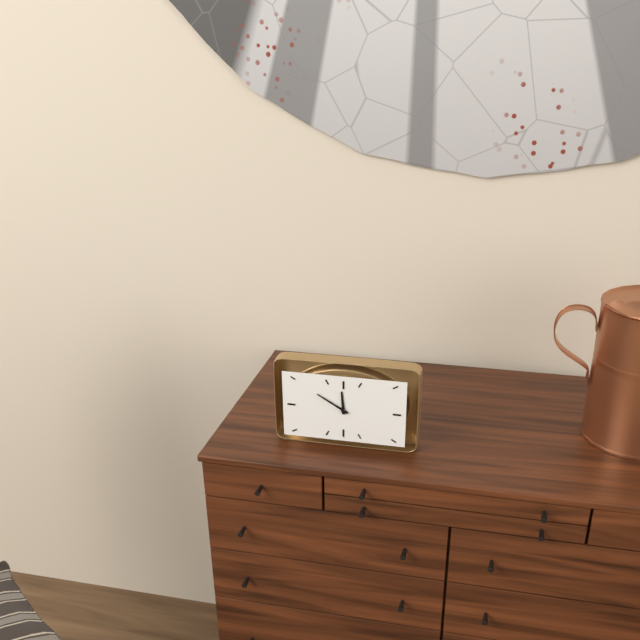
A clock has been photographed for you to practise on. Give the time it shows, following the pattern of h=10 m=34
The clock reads h=11 m=50
